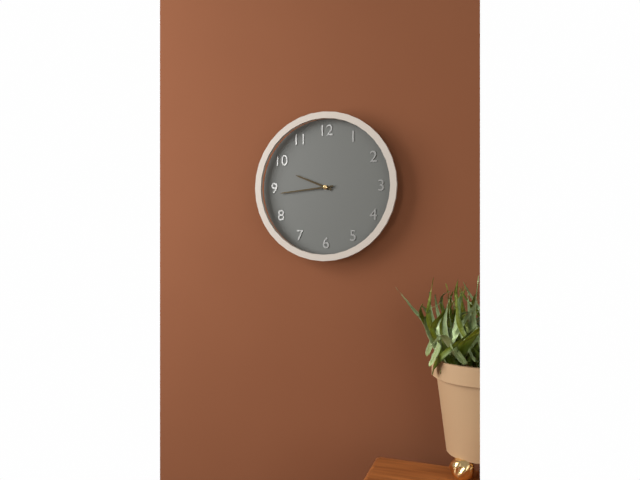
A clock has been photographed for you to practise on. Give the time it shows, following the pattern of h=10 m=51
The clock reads h=9 m=44
